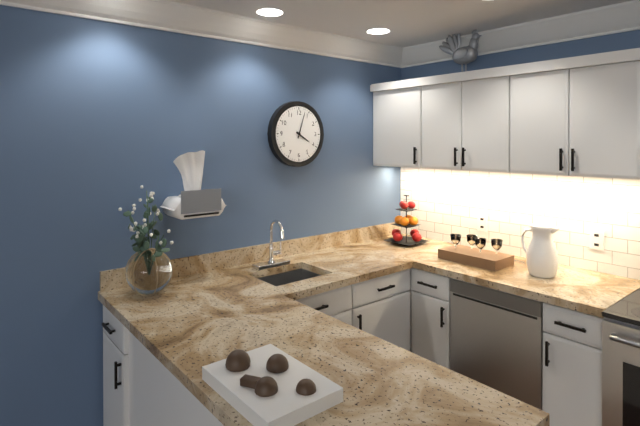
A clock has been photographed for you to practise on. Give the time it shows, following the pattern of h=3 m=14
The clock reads h=4 m=3
